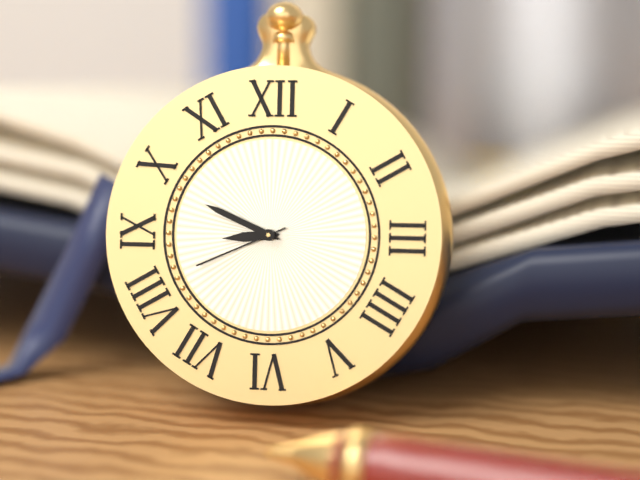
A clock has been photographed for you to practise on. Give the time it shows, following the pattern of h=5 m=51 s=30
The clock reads h=8 m=49 s=41
